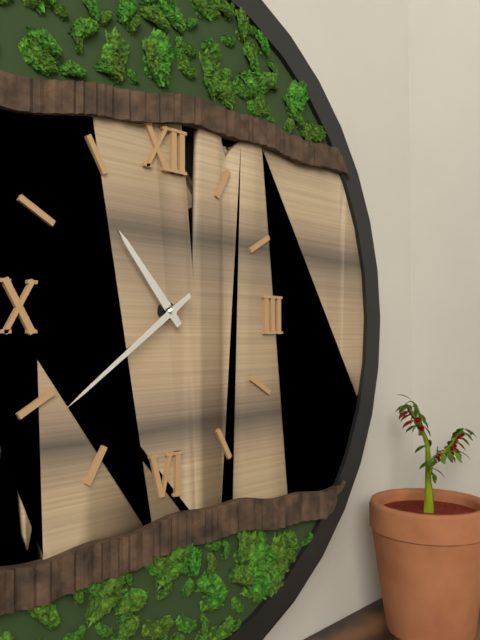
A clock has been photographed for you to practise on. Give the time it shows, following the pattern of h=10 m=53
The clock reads h=10 m=39
